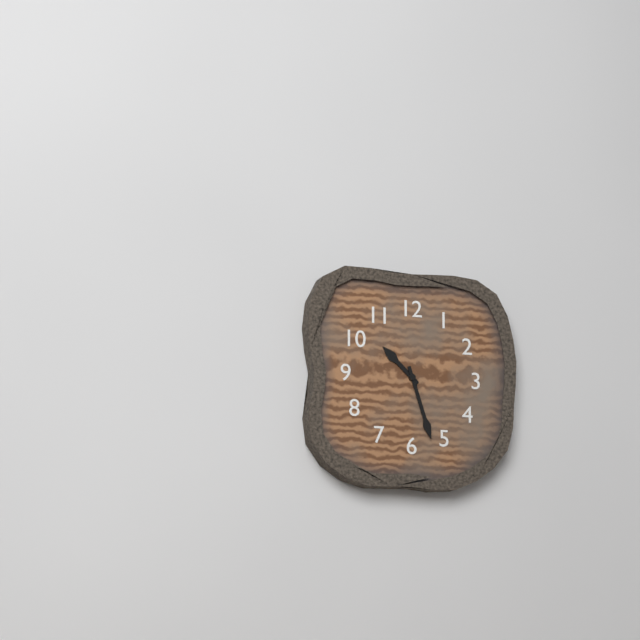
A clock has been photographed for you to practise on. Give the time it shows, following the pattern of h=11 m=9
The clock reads h=10 m=27
